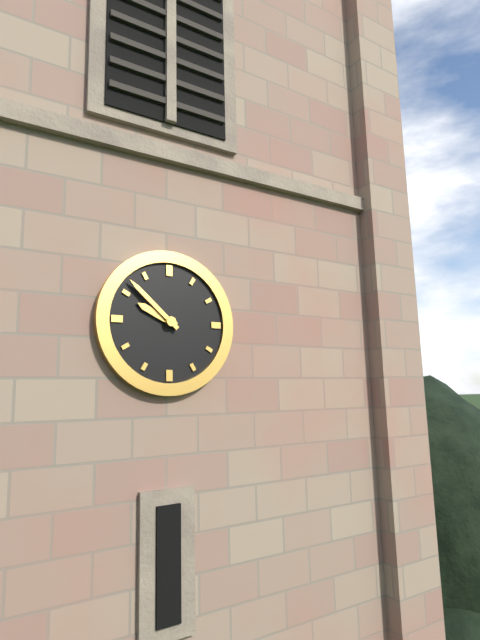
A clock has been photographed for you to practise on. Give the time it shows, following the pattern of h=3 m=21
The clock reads h=9 m=52
